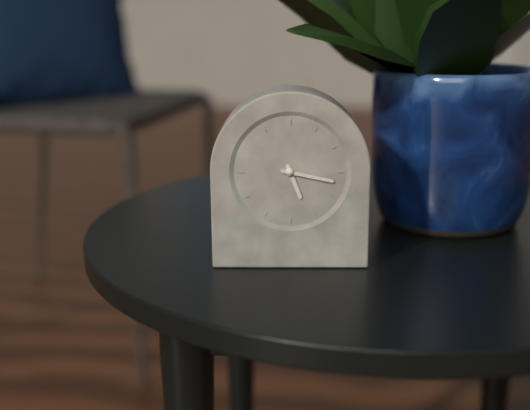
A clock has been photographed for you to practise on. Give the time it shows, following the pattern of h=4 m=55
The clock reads h=5 m=17
